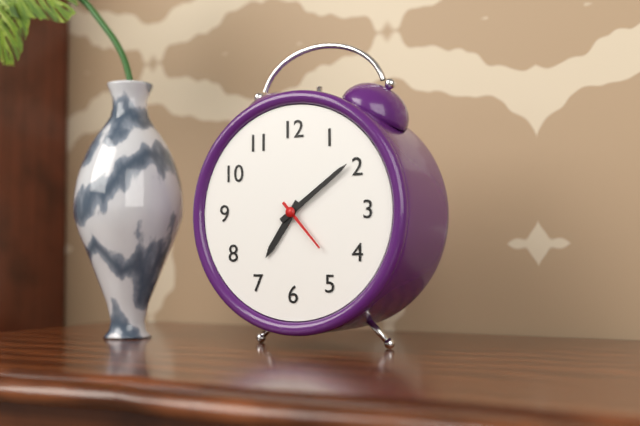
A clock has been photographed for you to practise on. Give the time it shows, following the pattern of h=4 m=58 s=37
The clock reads h=7 m=9 s=23
